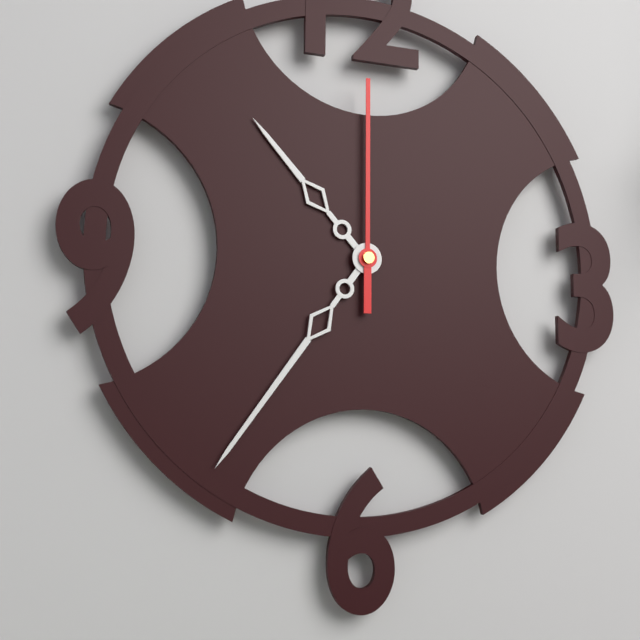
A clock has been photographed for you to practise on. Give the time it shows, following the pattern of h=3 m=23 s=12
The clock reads h=10 m=36 s=0
